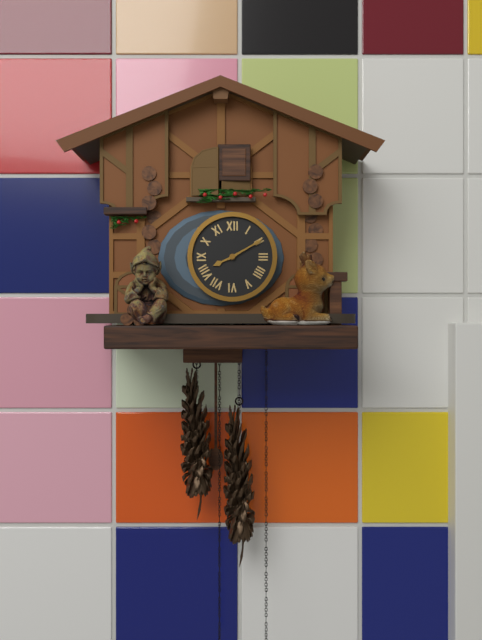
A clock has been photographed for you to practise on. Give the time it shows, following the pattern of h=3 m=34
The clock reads h=8 m=10
